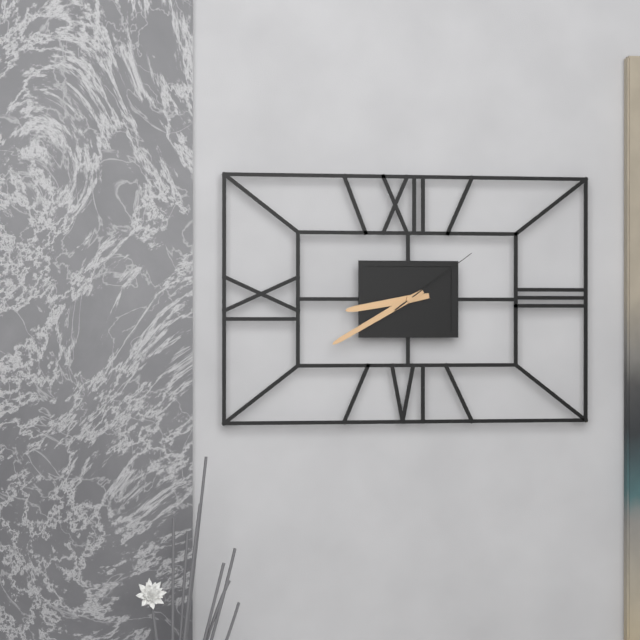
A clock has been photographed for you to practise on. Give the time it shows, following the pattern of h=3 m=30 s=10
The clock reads h=8 m=40 s=9
